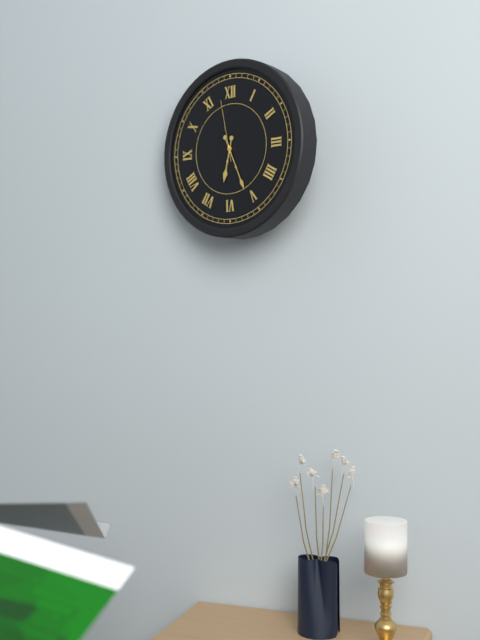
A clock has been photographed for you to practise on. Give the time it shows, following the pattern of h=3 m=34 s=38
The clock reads h=6 m=26 s=58
